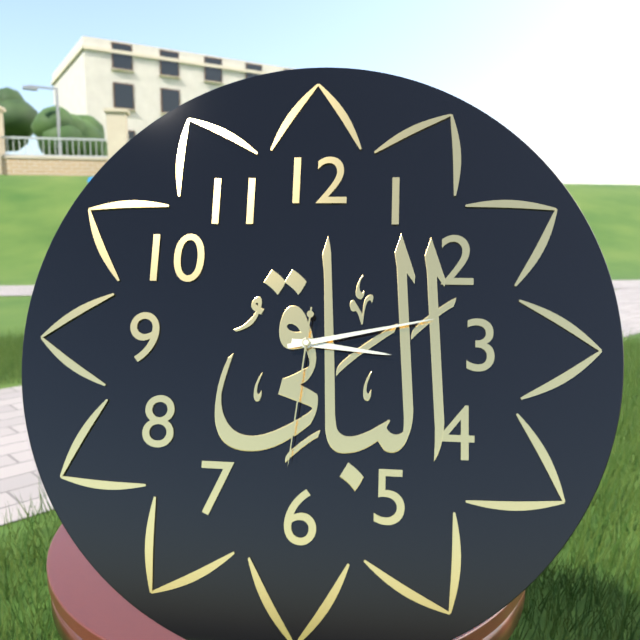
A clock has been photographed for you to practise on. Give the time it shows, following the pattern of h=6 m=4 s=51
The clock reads h=3 m=13 s=31
